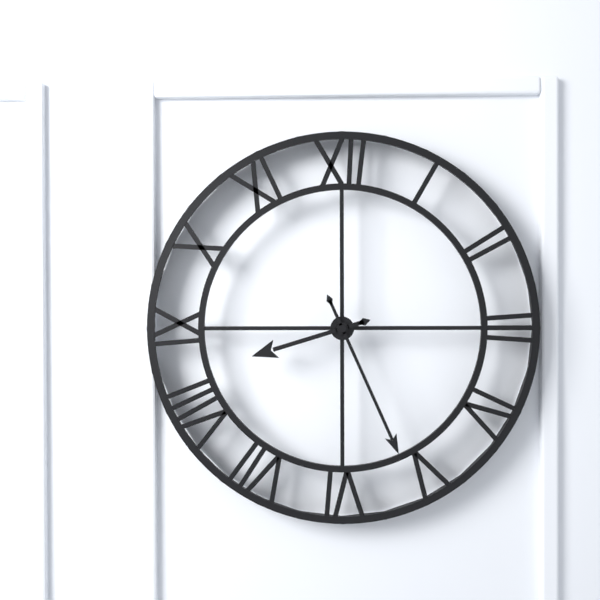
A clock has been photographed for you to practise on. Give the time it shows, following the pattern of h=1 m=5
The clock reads h=8 m=26
